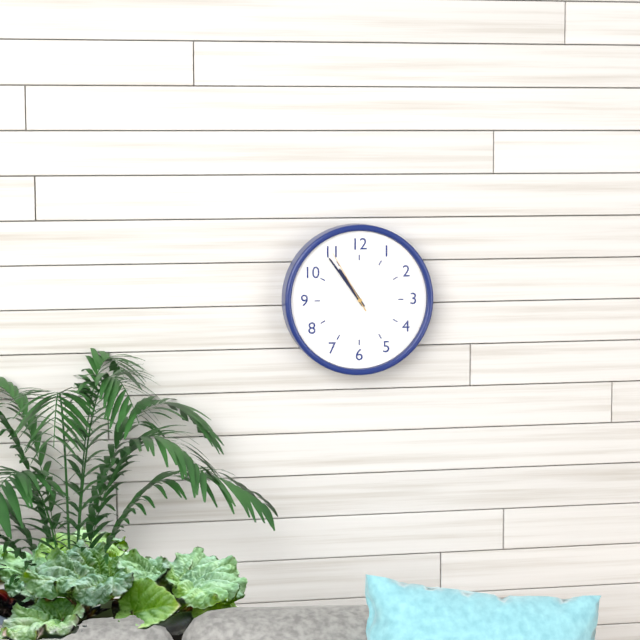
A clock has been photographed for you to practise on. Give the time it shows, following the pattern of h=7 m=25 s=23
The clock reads h=10 m=54 s=55
